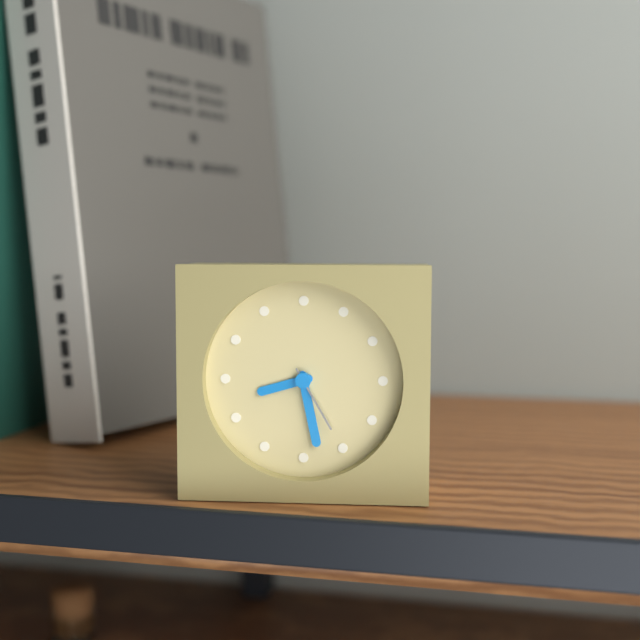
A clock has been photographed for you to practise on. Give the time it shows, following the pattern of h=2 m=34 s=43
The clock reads h=8 m=28 s=25
